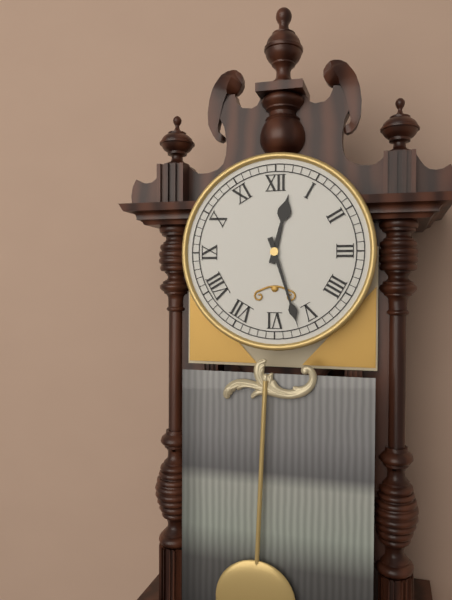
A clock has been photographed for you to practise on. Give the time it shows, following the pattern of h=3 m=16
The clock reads h=12 m=27
